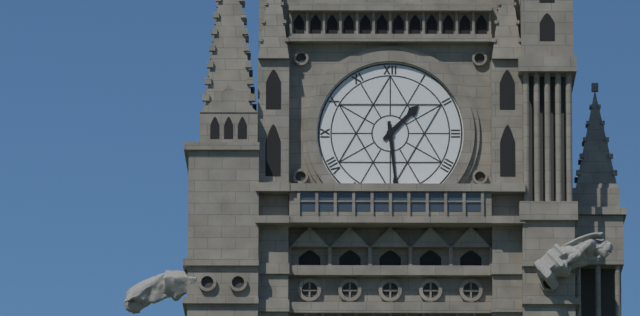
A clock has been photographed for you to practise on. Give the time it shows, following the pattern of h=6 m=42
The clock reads h=1 m=29
